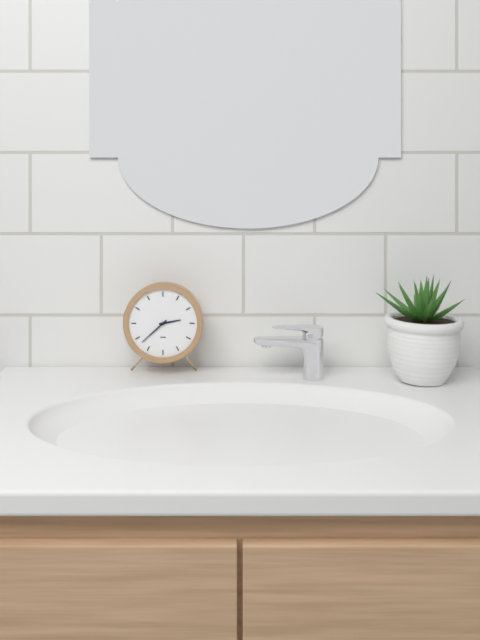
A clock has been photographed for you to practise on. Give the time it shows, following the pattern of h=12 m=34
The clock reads h=2 m=38
